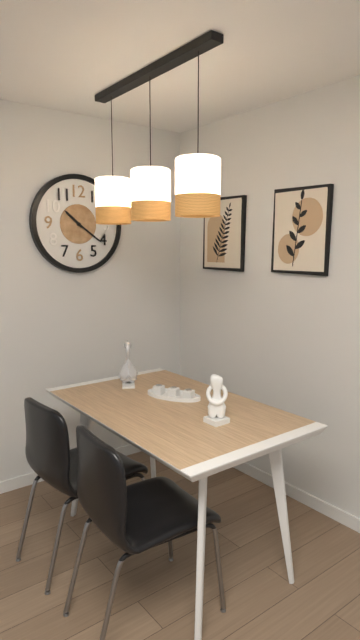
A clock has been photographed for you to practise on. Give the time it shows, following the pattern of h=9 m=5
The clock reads h=10 m=21
